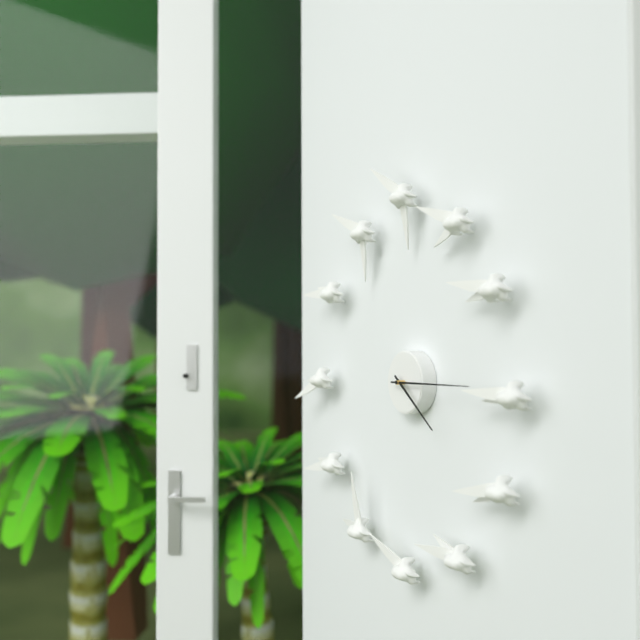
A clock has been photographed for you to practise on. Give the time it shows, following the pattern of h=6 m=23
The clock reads h=4 m=15
